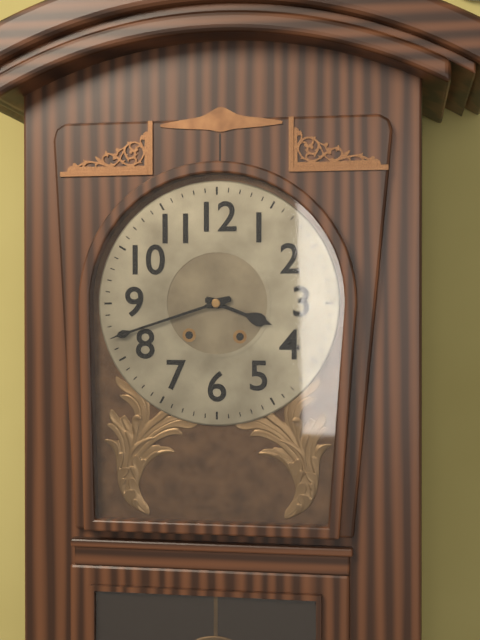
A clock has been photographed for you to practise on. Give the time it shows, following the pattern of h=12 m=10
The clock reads h=3 m=42
